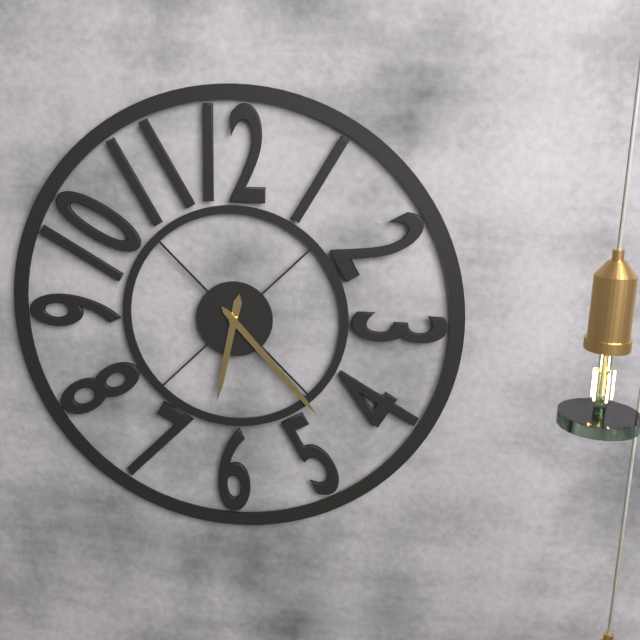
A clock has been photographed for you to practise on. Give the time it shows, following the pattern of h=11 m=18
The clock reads h=6 m=23
